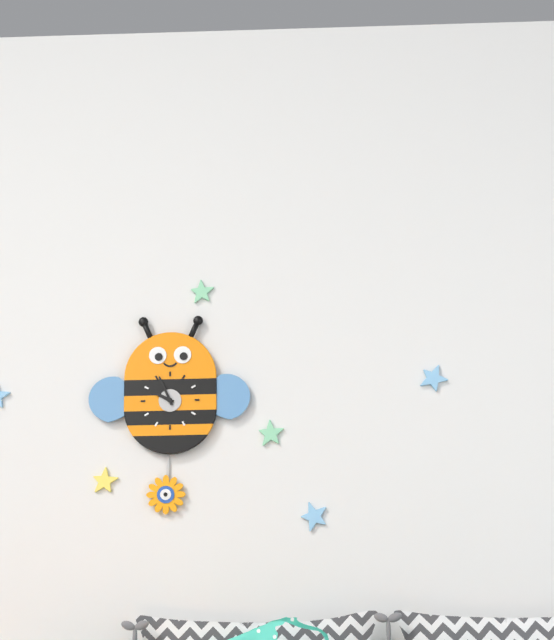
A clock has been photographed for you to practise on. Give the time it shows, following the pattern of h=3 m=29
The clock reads h=9 m=56
